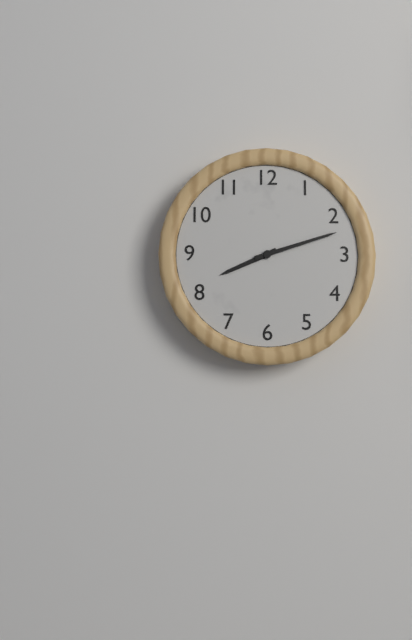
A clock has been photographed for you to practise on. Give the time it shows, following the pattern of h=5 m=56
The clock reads h=8 m=12
